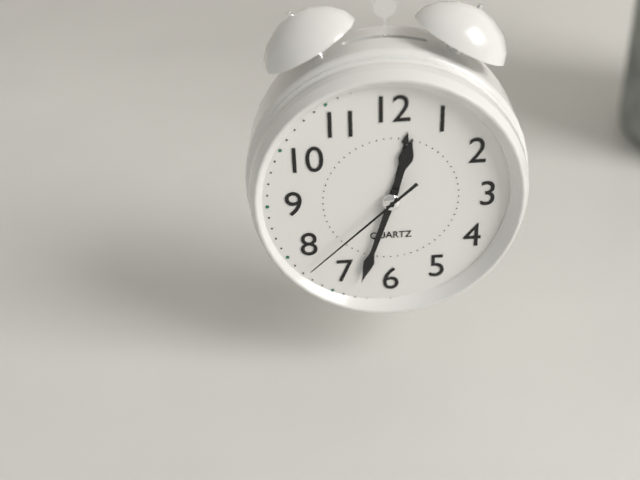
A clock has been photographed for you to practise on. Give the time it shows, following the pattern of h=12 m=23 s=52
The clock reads h=12 m=33 s=38
